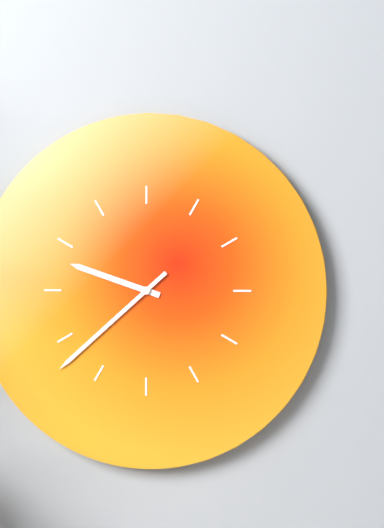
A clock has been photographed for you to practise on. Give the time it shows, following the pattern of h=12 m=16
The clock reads h=9 m=38
